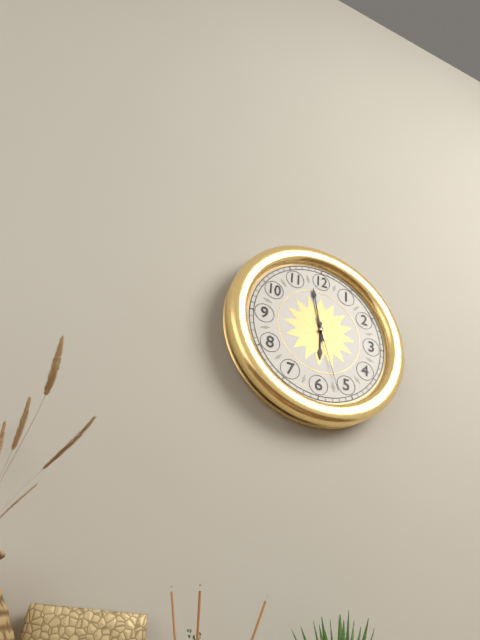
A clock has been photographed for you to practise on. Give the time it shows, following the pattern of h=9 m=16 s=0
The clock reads h=5 m=58 s=27
